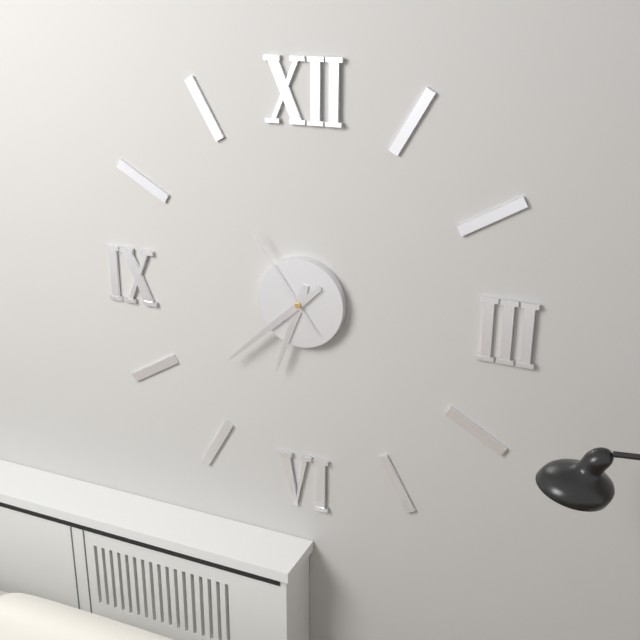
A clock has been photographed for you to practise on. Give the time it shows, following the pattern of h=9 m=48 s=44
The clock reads h=6 m=38 s=54
